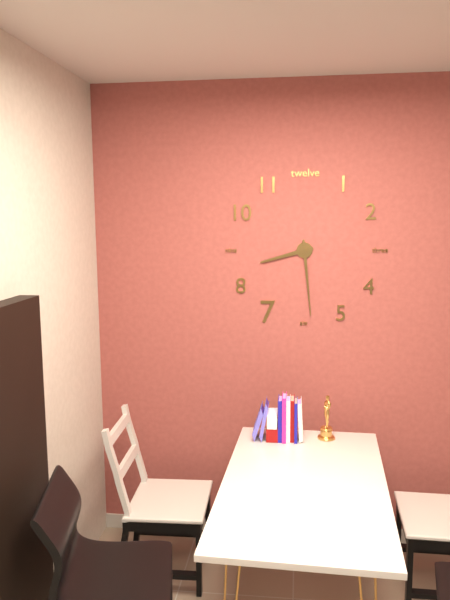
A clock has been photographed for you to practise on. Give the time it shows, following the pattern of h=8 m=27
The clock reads h=8 m=29
